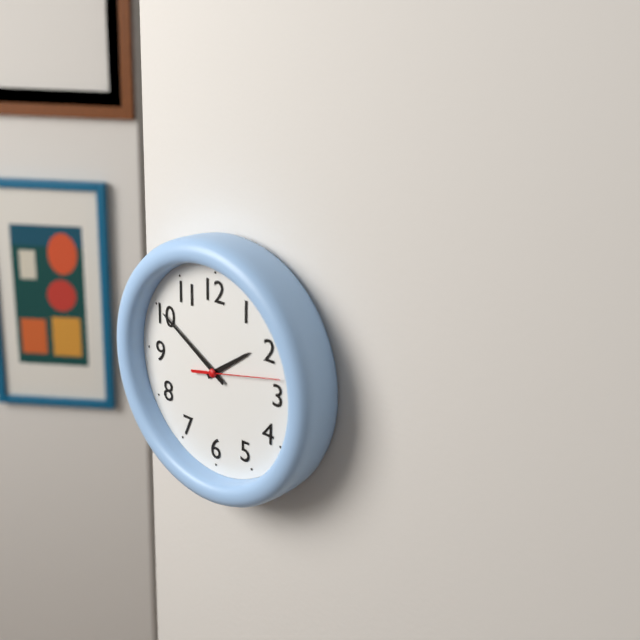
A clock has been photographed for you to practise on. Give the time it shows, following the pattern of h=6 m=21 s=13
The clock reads h=1 m=50 s=13
